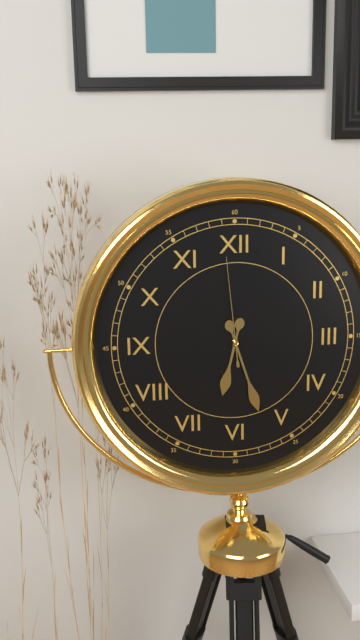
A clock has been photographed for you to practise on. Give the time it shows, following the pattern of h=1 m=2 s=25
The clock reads h=6 m=27 s=59
